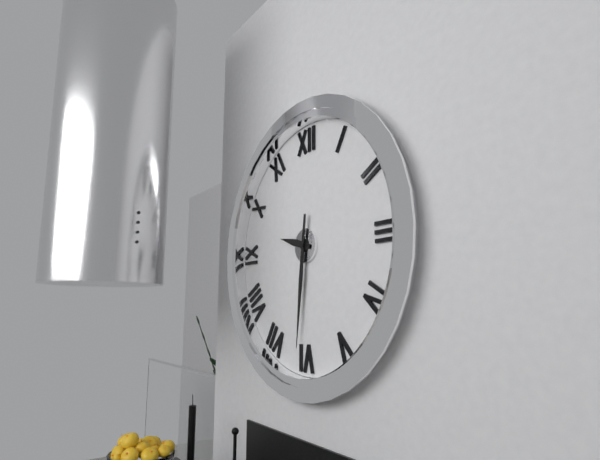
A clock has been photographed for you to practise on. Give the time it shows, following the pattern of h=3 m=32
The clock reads h=9 m=31
